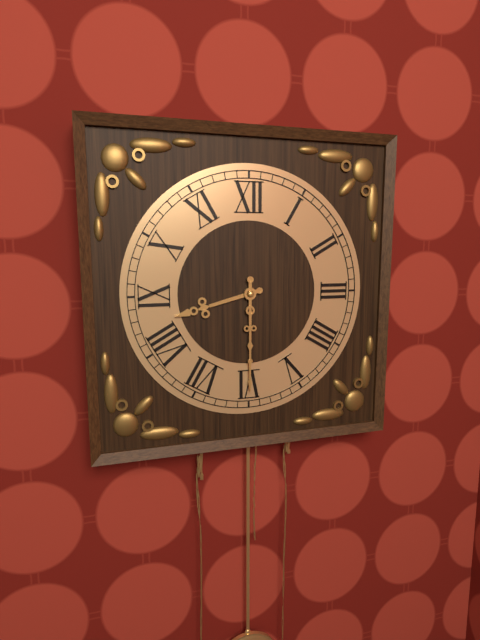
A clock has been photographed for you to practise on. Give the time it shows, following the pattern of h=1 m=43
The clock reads h=8 m=30
